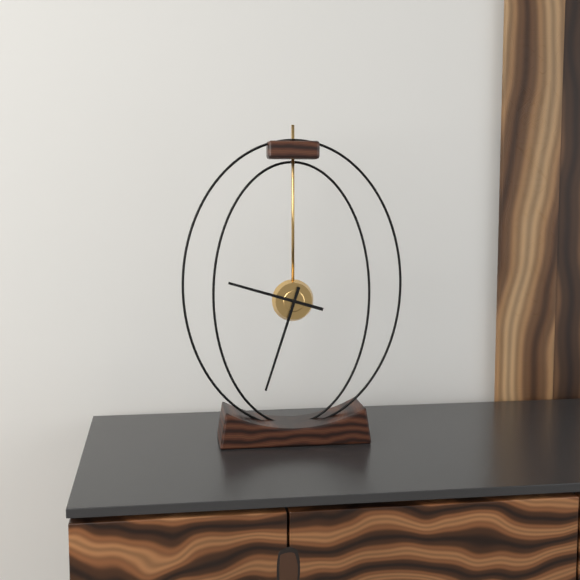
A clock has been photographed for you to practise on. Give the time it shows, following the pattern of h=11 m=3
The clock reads h=9 m=33
